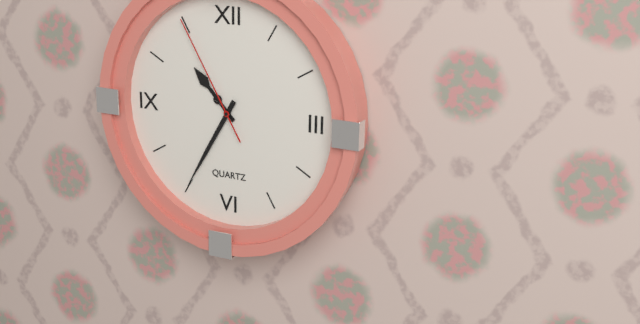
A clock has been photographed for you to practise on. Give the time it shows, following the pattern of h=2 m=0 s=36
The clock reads h=10 m=35 s=55
